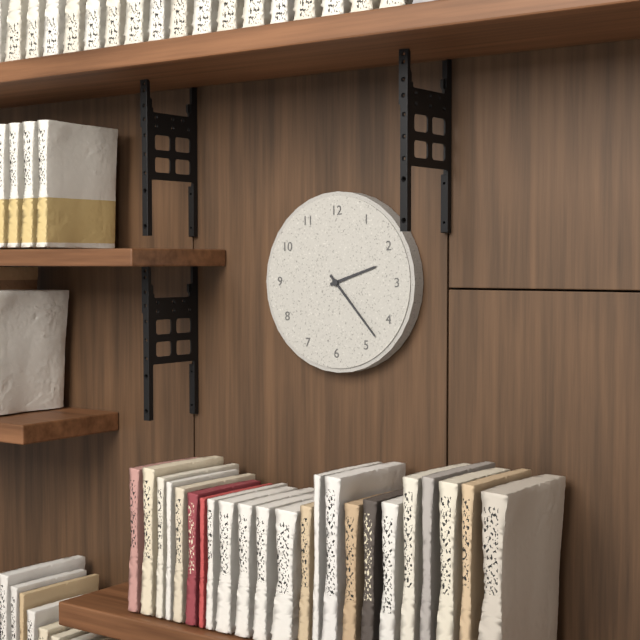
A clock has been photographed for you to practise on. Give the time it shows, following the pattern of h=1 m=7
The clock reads h=2 m=23
